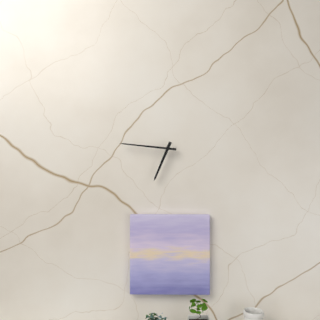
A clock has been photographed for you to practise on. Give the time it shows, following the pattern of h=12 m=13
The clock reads h=6 m=46
